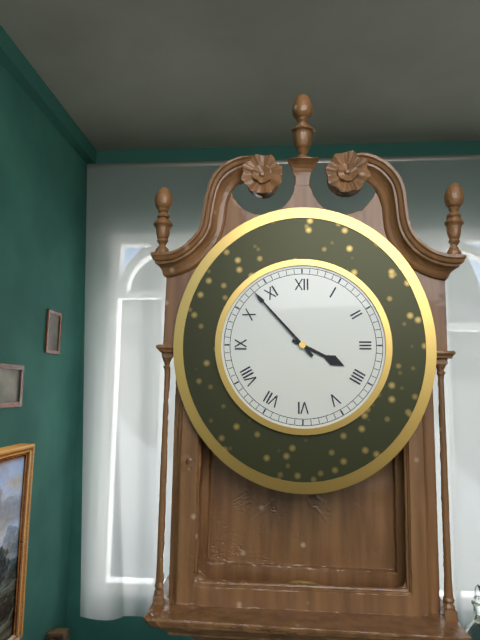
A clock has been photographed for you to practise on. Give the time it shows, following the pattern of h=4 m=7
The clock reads h=3 m=53
